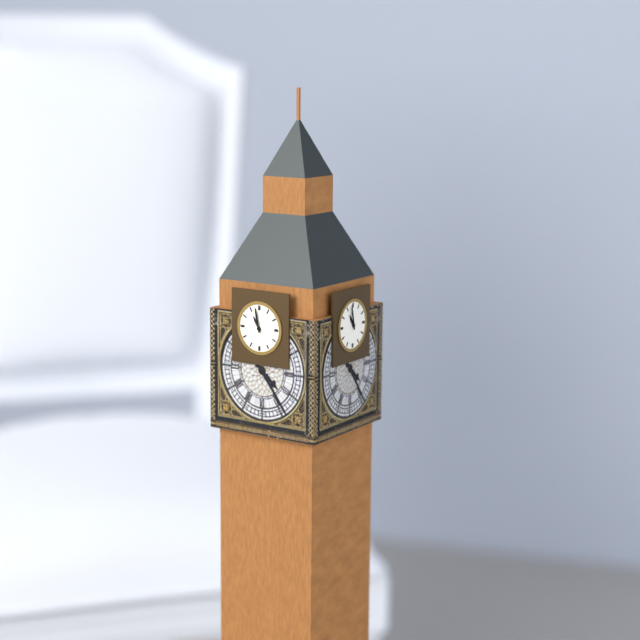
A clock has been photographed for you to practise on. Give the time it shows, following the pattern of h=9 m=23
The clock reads h=10 m=58
